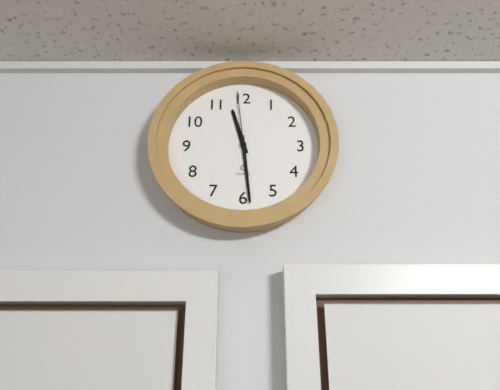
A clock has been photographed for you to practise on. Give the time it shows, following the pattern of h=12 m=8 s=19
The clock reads h=11 m=29 s=59
